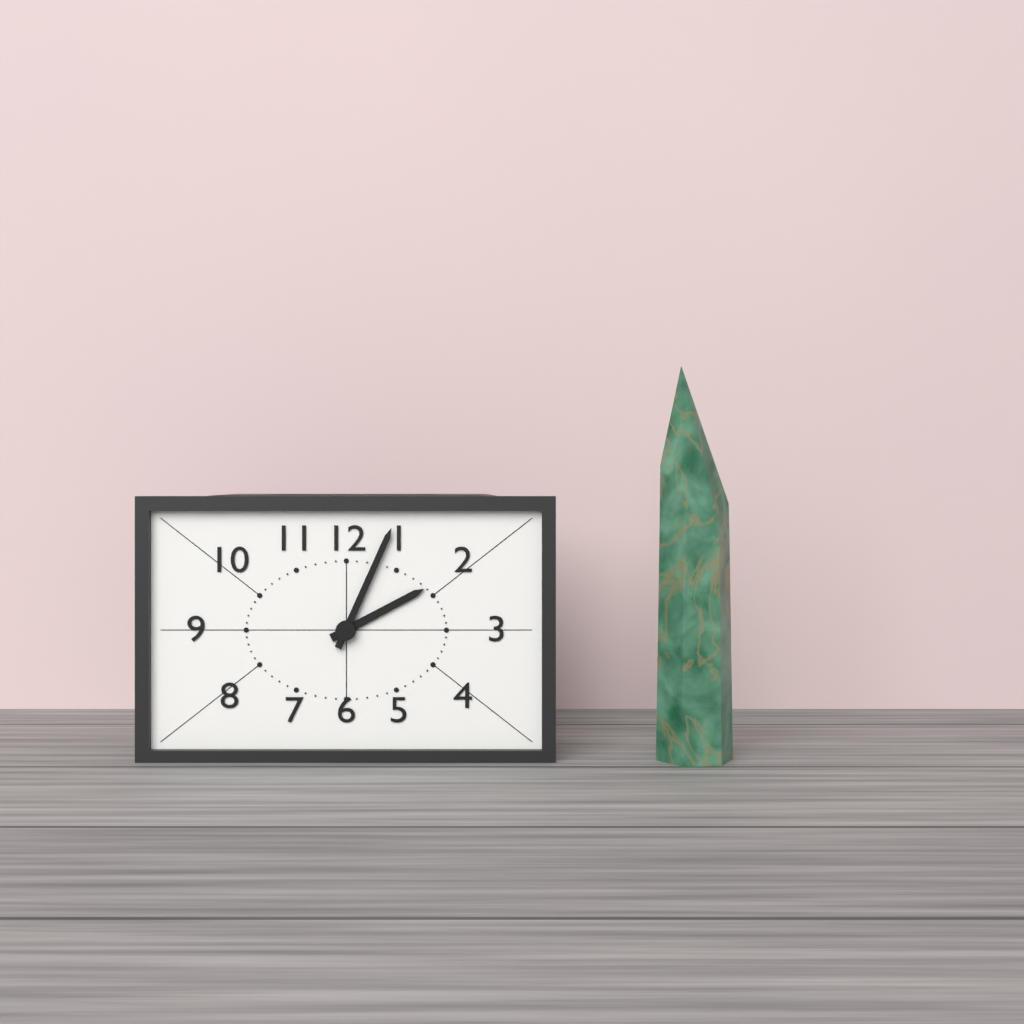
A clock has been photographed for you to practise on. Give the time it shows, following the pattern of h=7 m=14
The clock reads h=2 m=4
